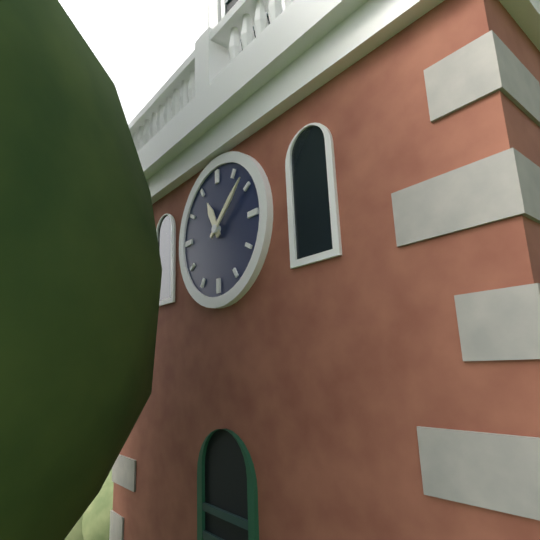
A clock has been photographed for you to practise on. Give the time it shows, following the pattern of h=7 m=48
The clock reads h=11 m=8
